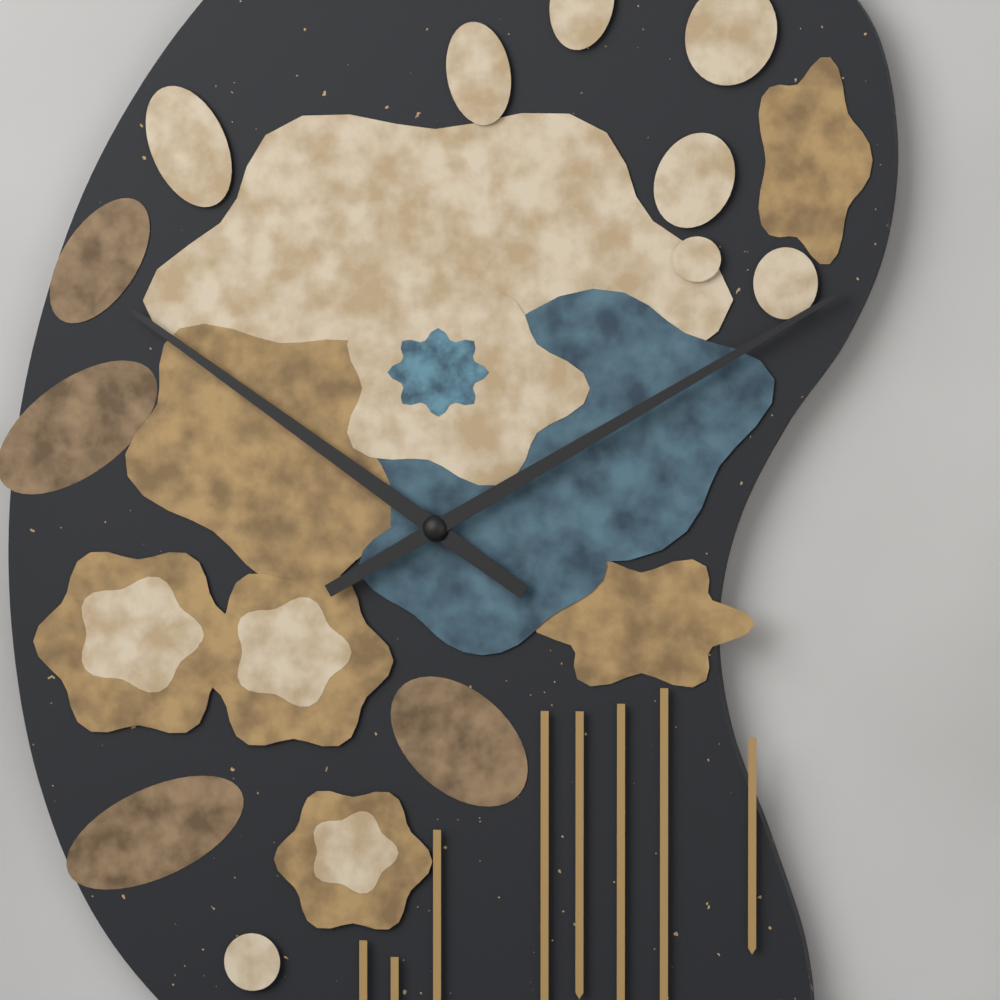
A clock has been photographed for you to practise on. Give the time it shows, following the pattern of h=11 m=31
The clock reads h=10 m=10
